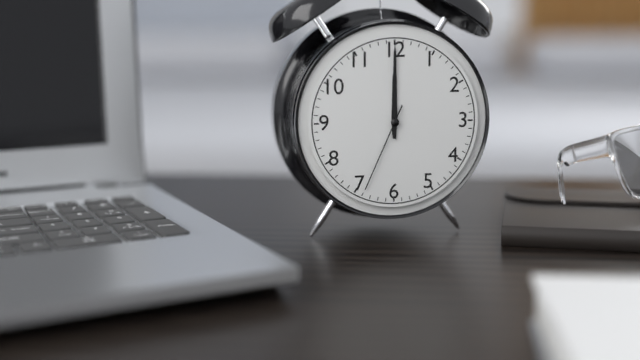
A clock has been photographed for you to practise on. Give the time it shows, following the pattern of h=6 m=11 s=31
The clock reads h=12 m=0 s=34
